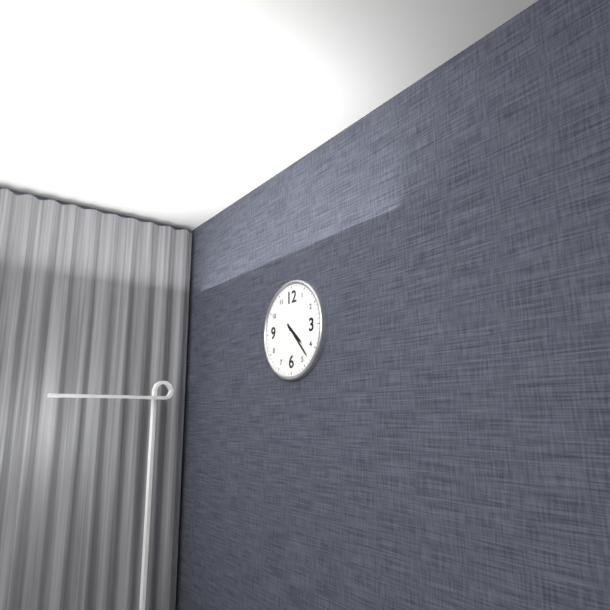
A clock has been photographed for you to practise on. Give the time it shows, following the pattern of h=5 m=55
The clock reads h=4 m=23
